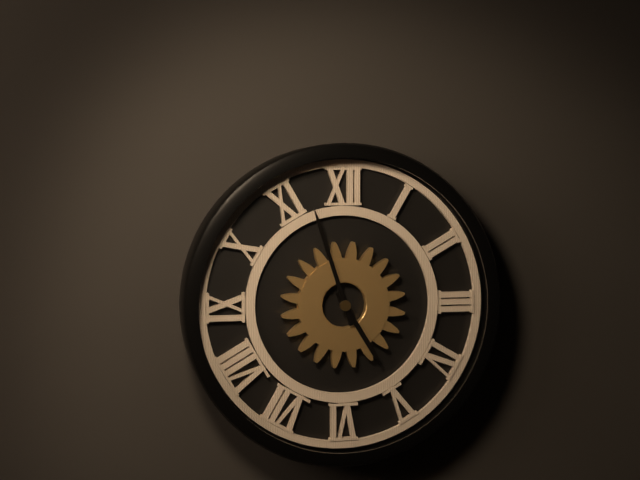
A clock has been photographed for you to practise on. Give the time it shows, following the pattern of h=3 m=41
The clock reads h=4 m=57
